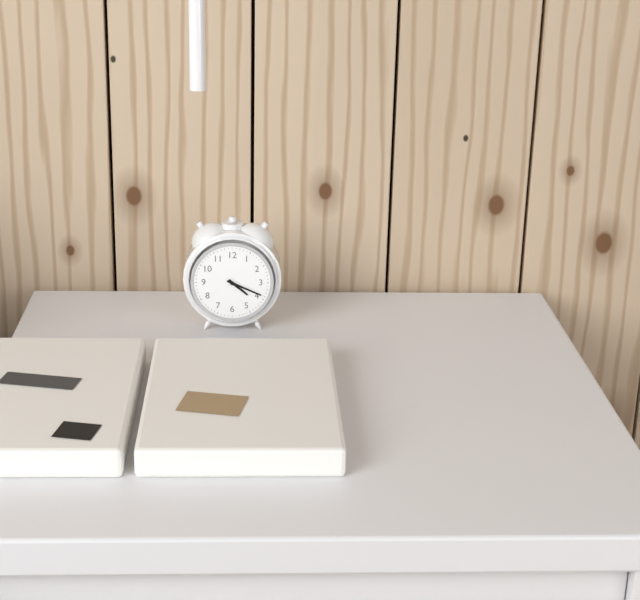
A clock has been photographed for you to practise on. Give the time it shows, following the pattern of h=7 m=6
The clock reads h=4 m=19
